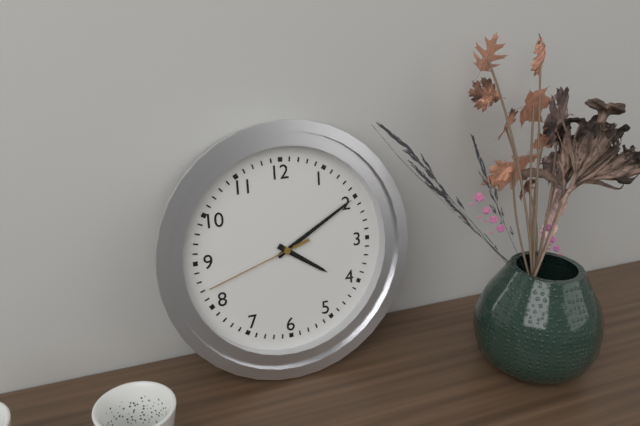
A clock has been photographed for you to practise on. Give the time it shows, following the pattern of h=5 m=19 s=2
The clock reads h=4 m=10 s=42
